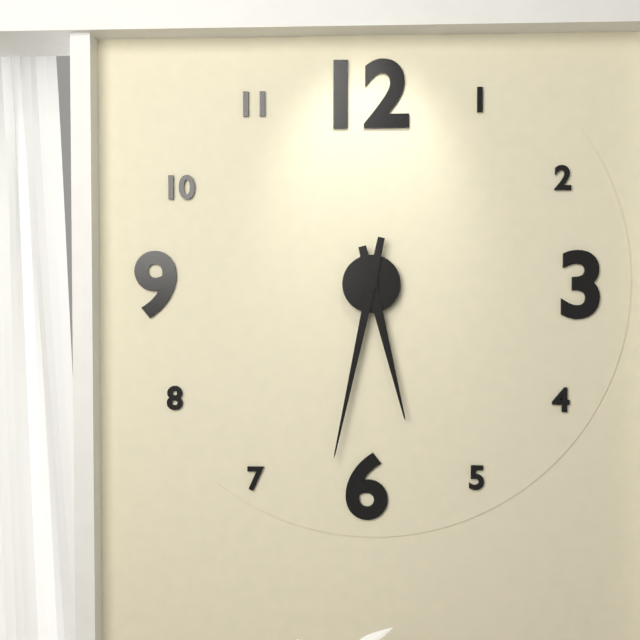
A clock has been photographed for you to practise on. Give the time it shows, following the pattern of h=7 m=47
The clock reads h=5 m=32
